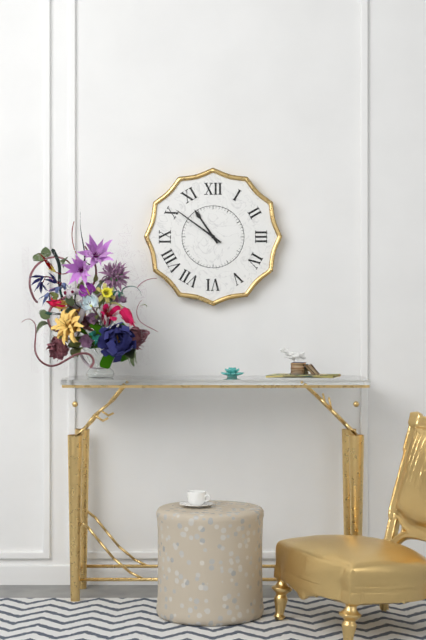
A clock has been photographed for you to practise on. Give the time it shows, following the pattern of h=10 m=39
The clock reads h=10 m=51
